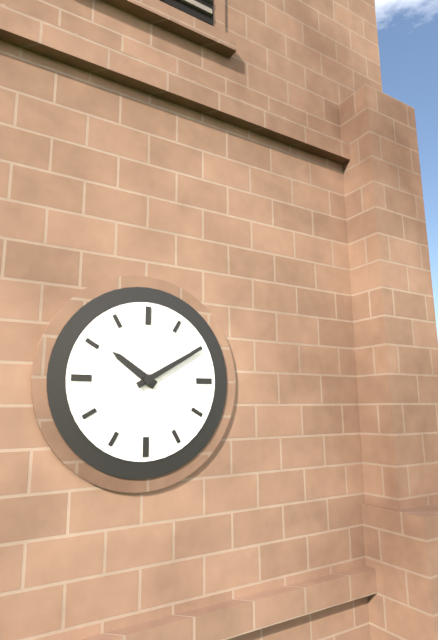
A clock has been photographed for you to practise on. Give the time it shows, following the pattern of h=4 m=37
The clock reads h=10 m=10
